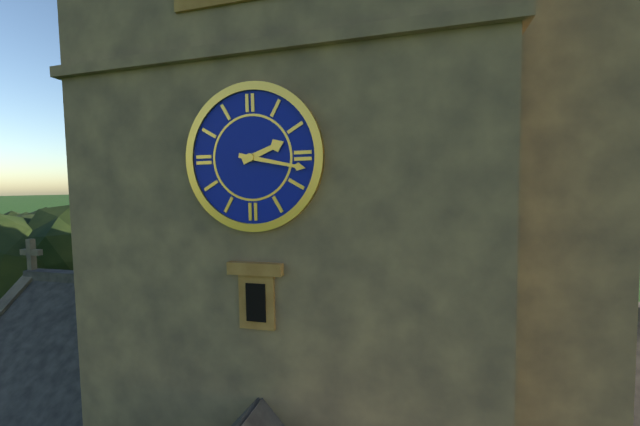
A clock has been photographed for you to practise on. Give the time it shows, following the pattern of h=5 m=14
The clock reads h=2 m=17
